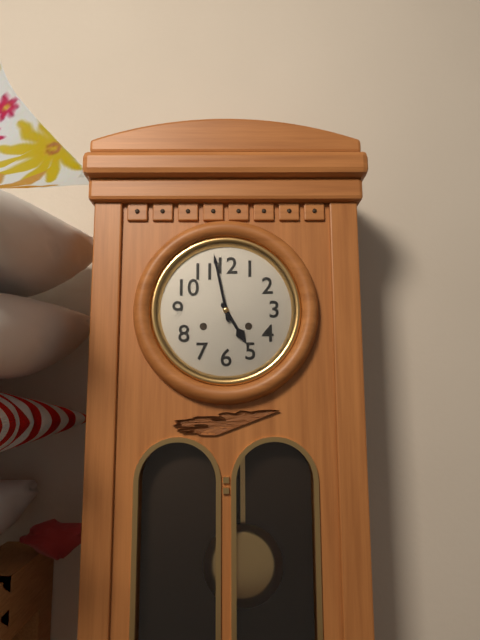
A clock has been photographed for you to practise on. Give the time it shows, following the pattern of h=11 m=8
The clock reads h=4 m=58
